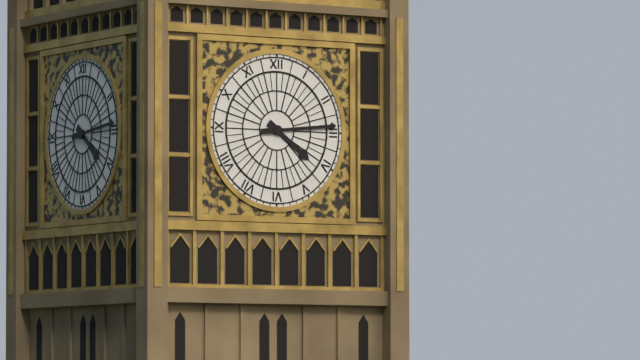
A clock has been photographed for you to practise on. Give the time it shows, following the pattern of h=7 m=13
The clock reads h=4 m=14
